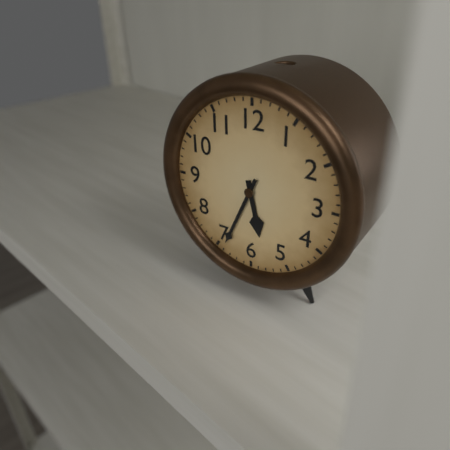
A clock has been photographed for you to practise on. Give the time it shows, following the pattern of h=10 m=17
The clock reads h=5 m=34
